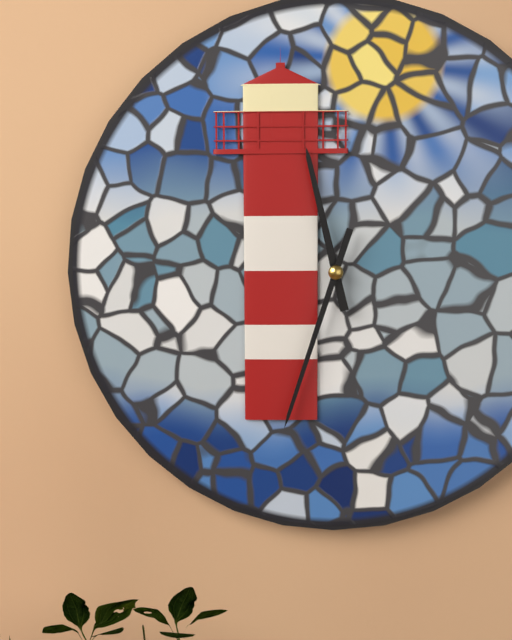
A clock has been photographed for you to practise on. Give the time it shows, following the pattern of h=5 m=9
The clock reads h=11 m=33
